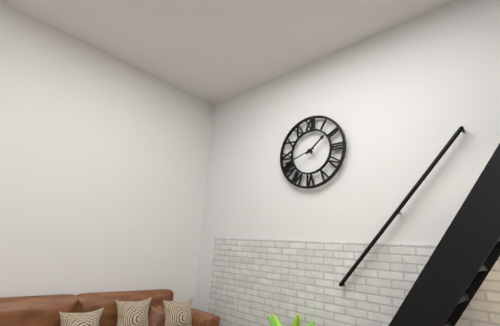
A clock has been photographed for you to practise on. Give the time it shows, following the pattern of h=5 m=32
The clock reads h=1 m=42
